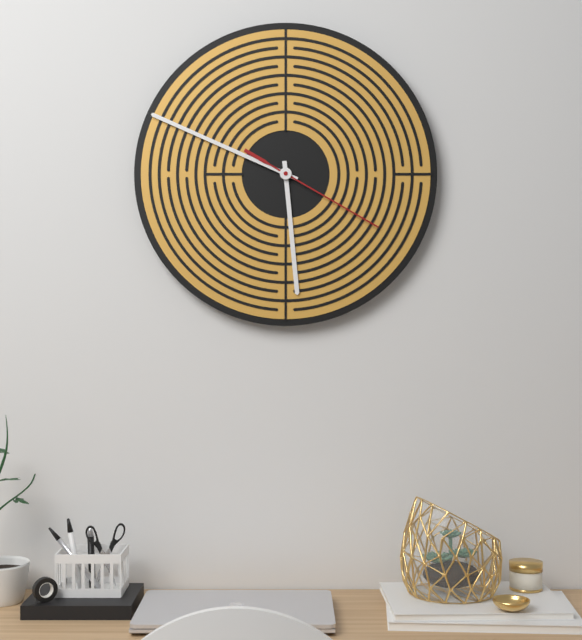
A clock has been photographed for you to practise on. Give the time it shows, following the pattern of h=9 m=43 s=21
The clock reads h=5 m=49 s=20
